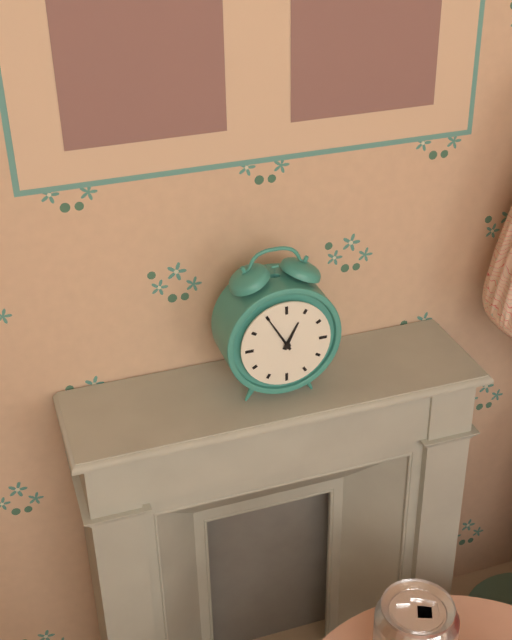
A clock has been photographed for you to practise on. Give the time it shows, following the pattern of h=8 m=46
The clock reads h=12 m=55
